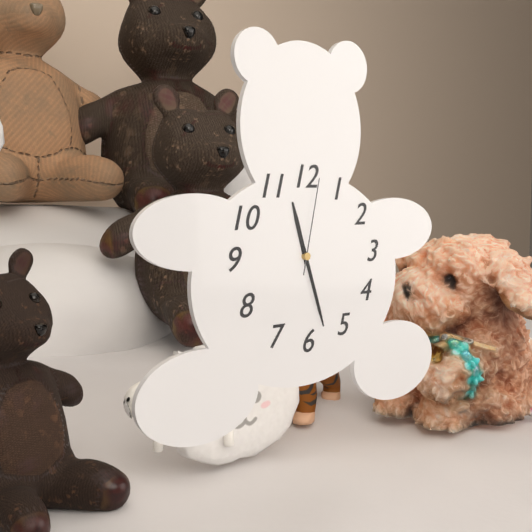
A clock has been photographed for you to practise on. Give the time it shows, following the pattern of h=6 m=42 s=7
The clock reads h=11 m=27 s=2
